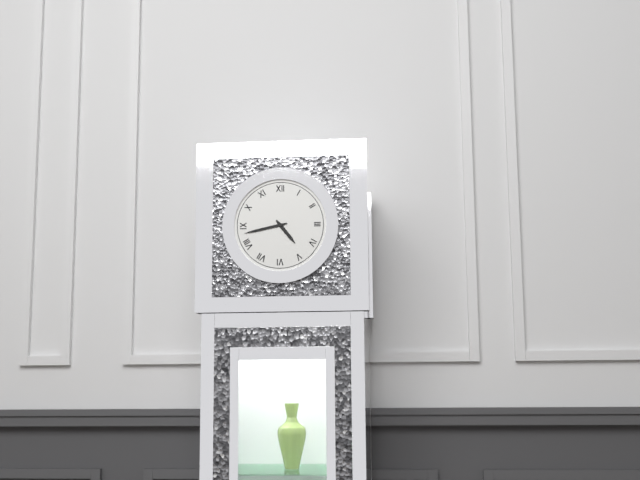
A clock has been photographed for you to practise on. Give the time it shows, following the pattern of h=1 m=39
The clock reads h=4 m=43
